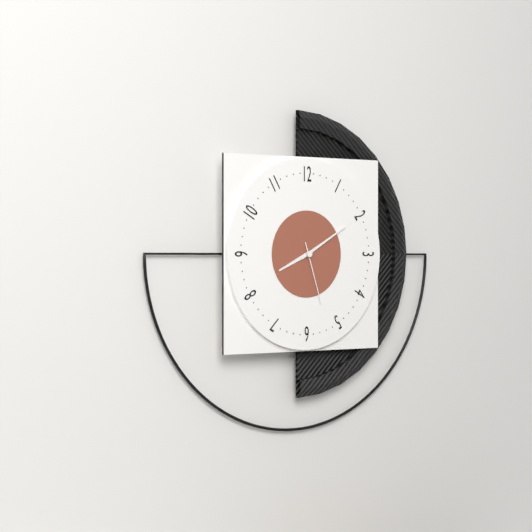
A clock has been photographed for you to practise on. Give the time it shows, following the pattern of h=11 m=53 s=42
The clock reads h=8 m=10 s=27
